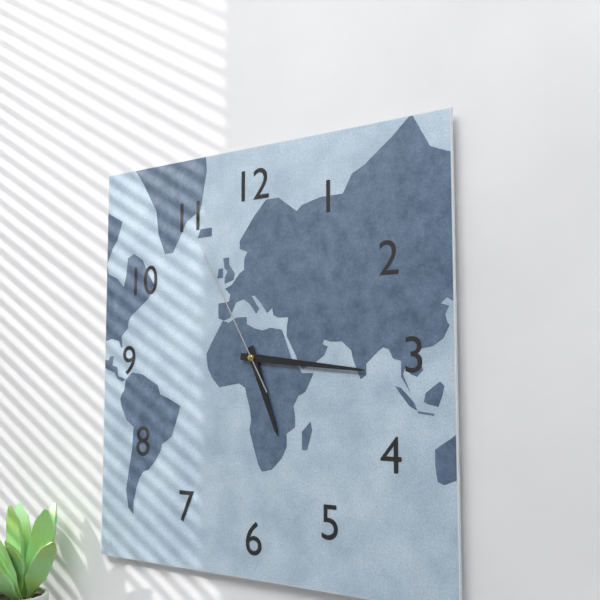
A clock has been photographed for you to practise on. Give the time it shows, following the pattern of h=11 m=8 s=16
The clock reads h=5 m=16 s=55
